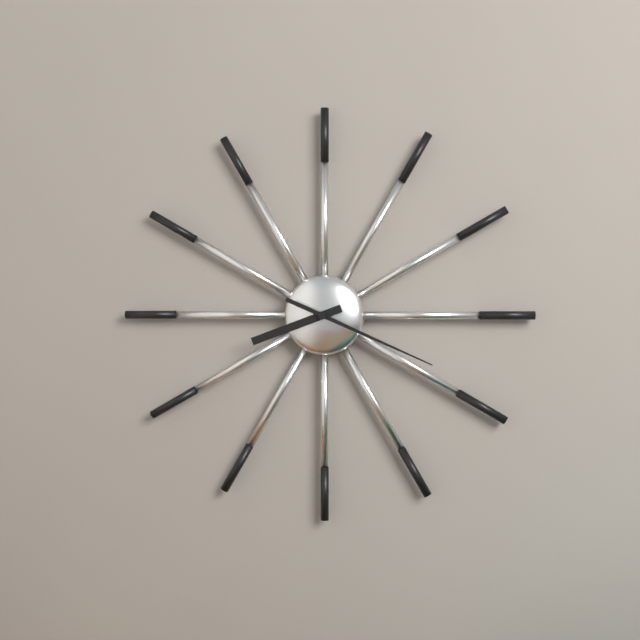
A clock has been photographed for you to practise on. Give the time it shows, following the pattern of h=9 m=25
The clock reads h=8 m=19
